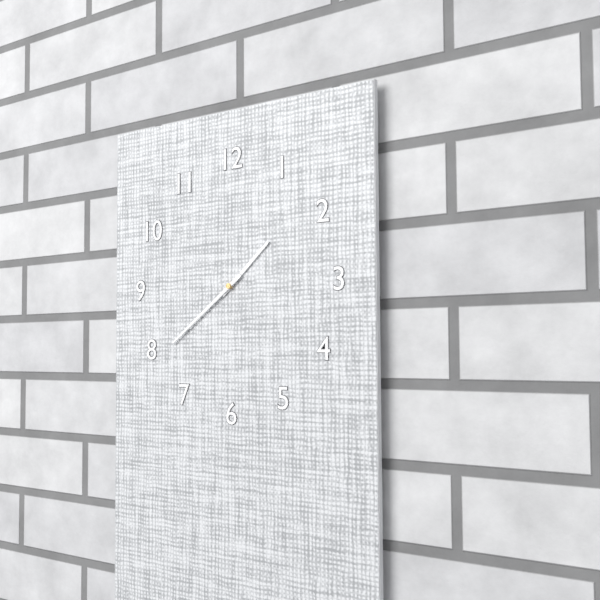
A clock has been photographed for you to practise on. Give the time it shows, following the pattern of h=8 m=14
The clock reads h=1 m=39
